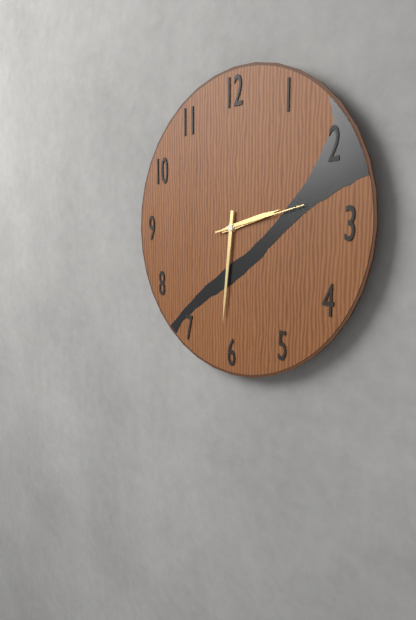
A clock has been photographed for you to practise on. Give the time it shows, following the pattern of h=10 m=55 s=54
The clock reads h=2 m=31 s=13
